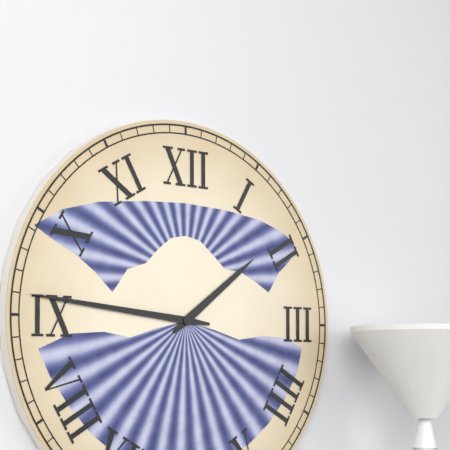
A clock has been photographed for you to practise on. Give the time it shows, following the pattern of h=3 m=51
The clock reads h=1 m=46
